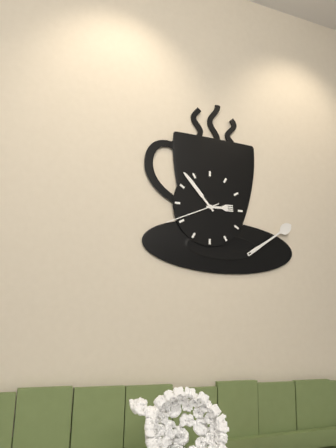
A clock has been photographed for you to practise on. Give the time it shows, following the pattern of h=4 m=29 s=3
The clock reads h=2 m=53 s=41
